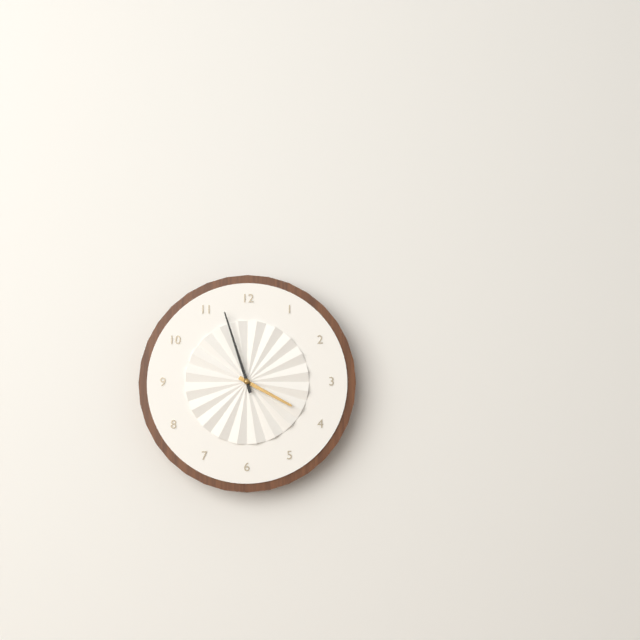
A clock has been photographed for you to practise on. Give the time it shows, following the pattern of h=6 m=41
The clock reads h=3 m=57
